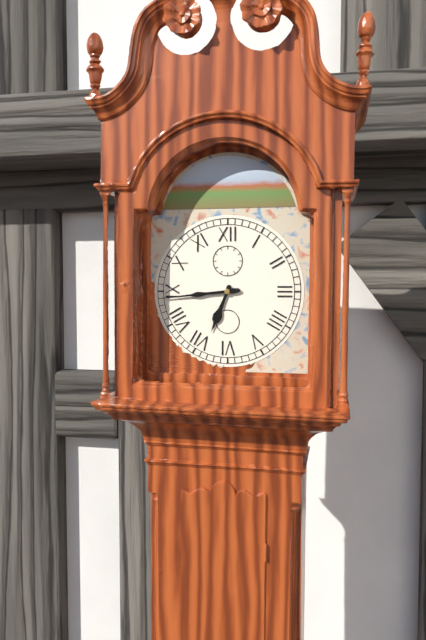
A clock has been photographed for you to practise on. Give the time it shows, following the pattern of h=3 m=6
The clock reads h=6 m=44
